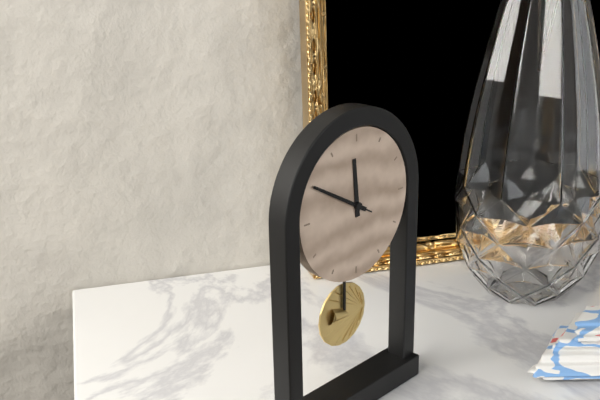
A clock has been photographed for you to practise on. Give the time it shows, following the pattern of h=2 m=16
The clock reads h=11 m=50
